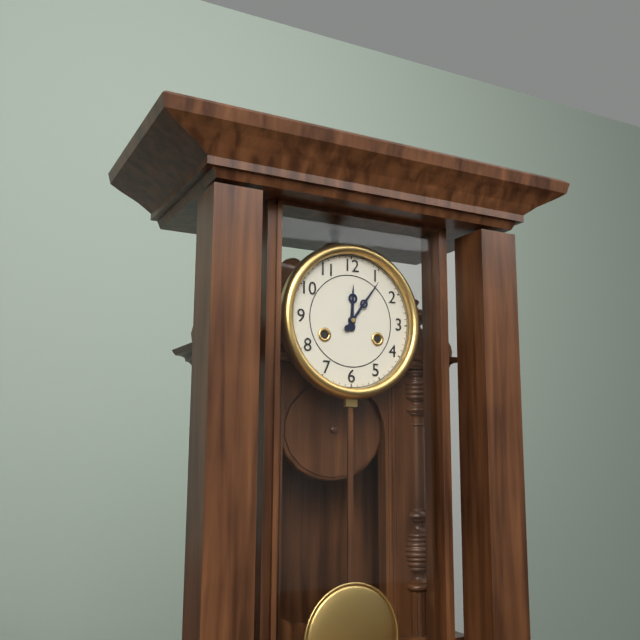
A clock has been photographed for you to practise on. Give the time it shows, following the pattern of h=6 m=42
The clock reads h=12 m=6
